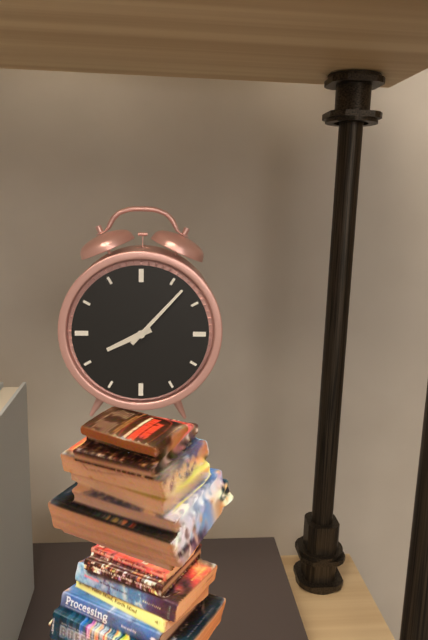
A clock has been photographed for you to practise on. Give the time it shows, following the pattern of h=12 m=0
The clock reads h=8 m=7
